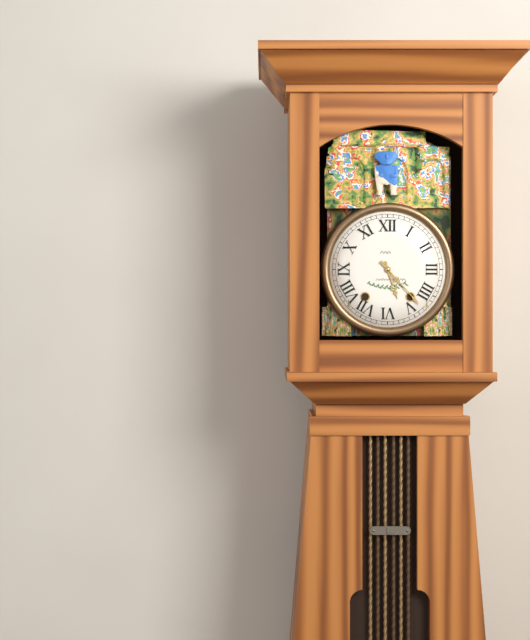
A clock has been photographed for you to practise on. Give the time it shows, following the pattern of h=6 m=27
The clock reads h=5 m=23
